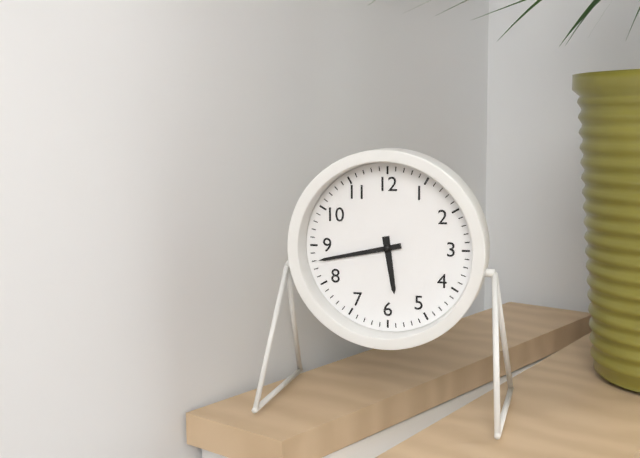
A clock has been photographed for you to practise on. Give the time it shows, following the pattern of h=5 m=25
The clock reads h=5 m=43
